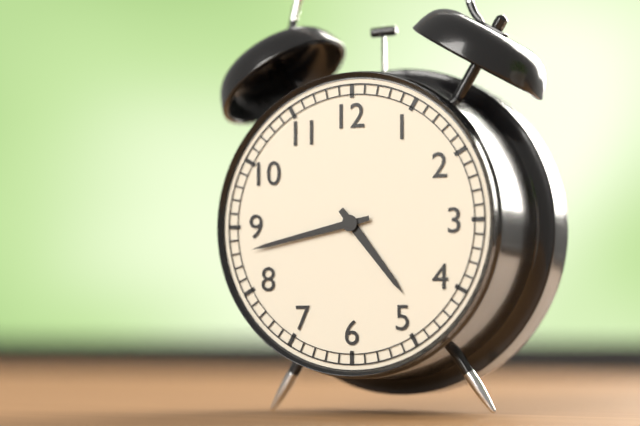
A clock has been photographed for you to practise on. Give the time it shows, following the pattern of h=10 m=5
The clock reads h=4 m=43
